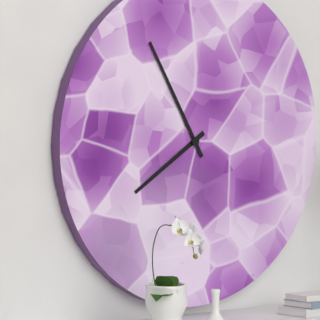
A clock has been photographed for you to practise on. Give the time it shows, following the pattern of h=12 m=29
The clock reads h=7 m=55
